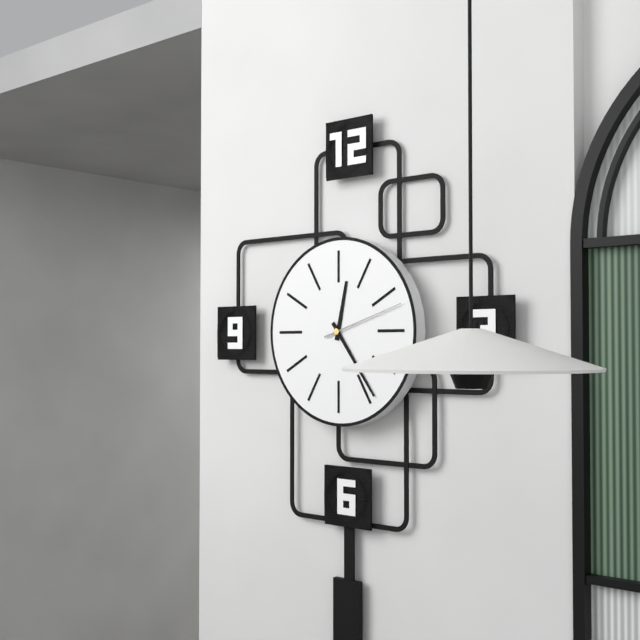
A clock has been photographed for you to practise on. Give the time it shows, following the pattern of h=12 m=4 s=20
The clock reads h=12 m=24 s=12
